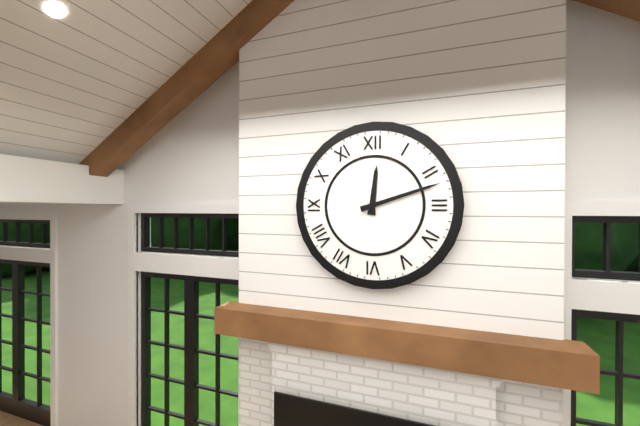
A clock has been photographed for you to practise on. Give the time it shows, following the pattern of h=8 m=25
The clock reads h=12 m=12
